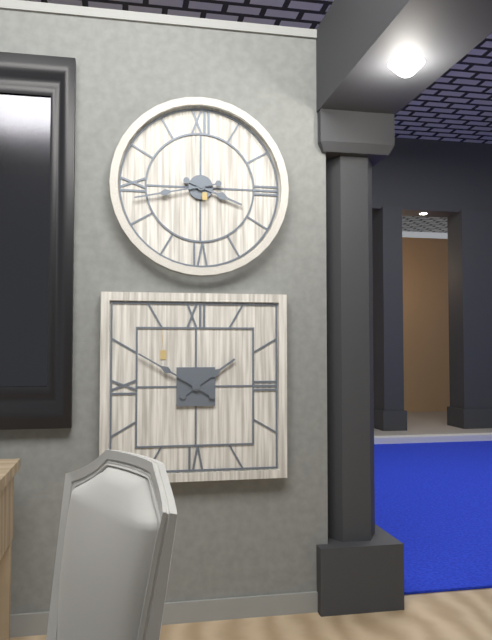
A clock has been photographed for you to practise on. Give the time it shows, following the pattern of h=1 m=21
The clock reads h=3 m=43
